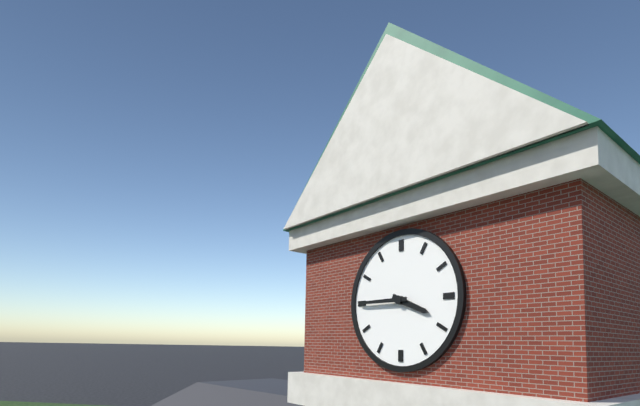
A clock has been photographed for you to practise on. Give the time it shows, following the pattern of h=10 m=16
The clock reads h=3 m=45
